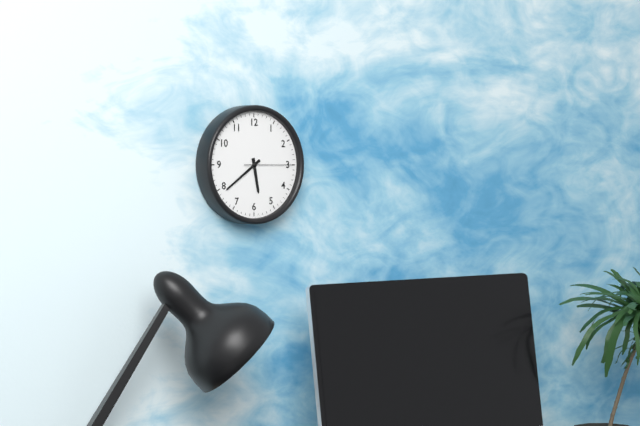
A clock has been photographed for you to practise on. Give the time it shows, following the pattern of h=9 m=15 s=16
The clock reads h=5 m=39 s=15
